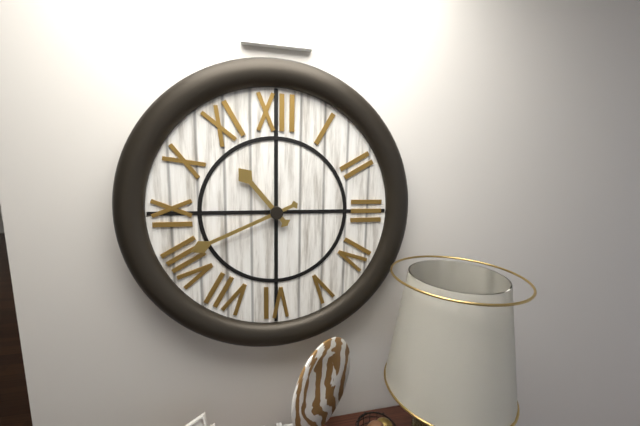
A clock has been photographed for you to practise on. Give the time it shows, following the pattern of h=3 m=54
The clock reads h=10 m=41
